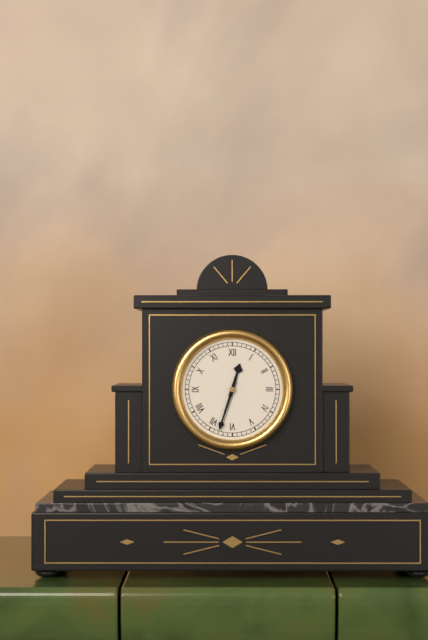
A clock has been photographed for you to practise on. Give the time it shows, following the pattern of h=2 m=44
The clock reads h=12 m=33
